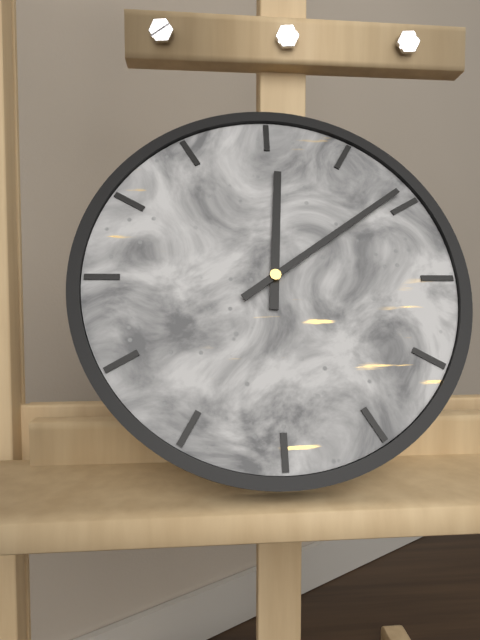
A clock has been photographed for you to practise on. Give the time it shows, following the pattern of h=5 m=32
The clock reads h=12 m=9
